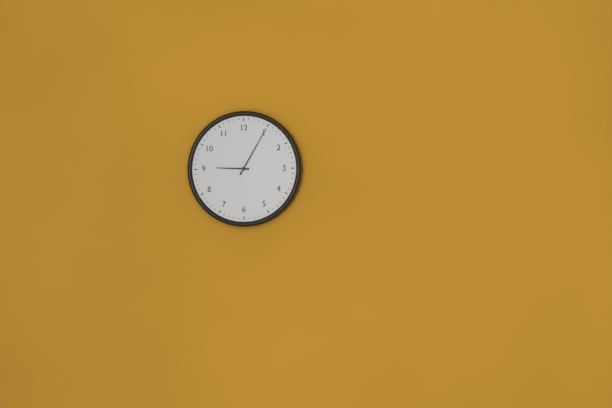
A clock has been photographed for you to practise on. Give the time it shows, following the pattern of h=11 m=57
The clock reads h=9 m=5
